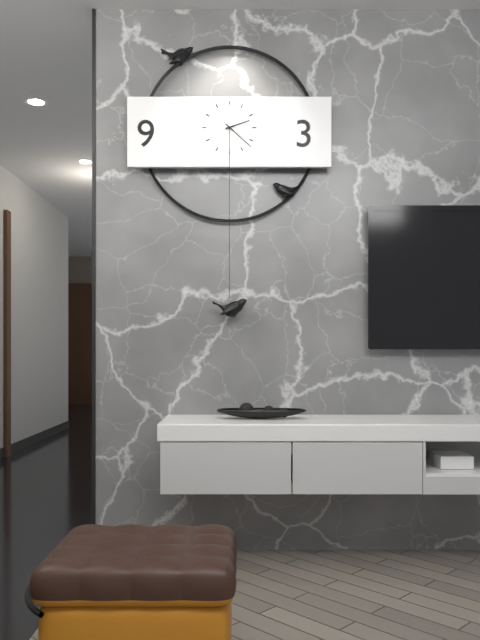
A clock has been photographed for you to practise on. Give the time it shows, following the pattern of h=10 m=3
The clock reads h=2 m=22
